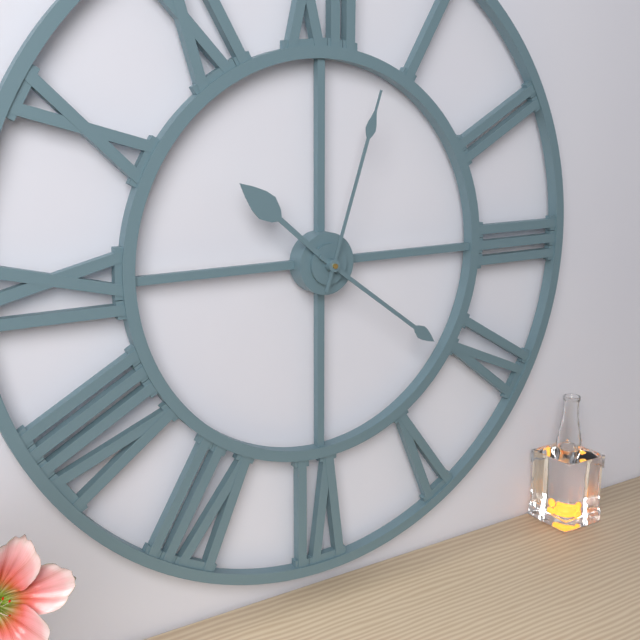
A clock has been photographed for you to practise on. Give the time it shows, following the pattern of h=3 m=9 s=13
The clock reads h=10 m=21 s=3
